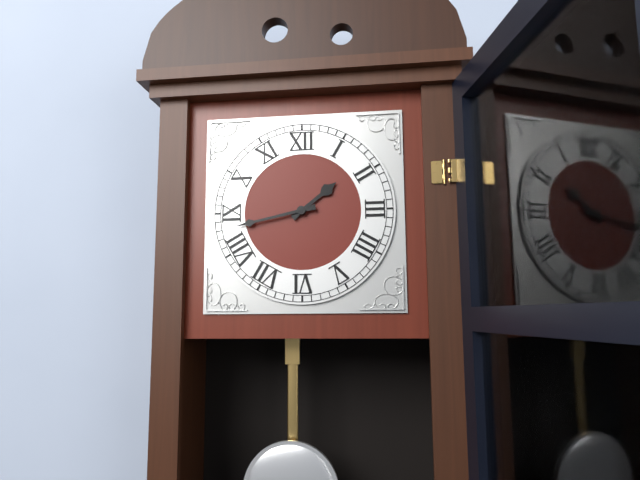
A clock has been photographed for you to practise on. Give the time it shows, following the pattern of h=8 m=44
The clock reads h=1 m=43
